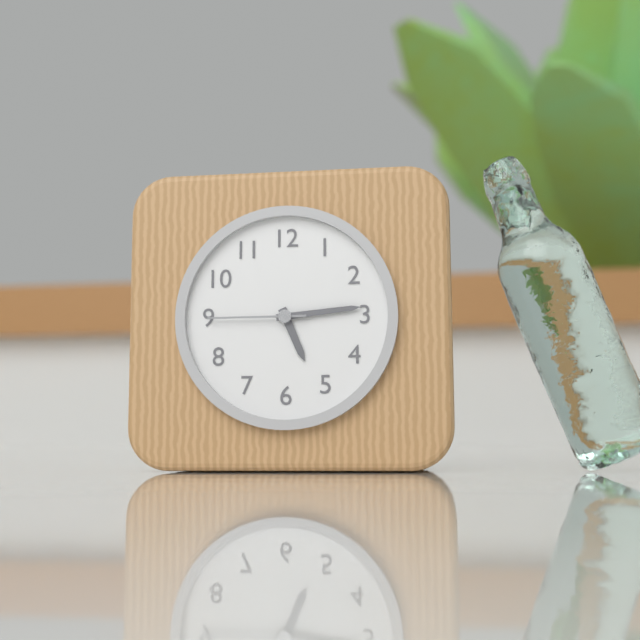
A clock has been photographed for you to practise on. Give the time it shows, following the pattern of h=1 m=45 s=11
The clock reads h=5 m=14 s=45
